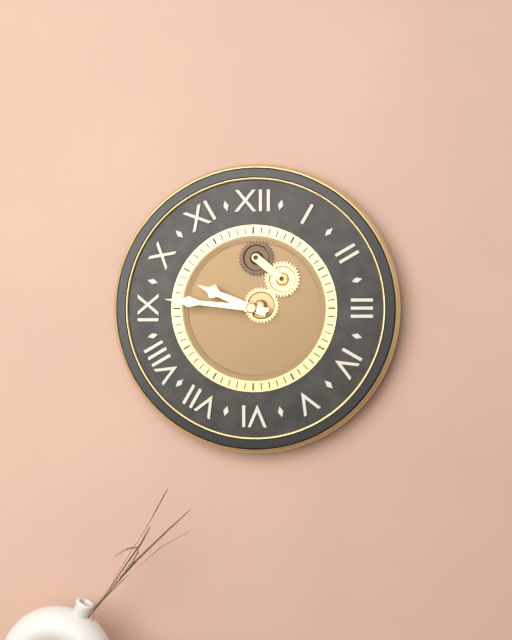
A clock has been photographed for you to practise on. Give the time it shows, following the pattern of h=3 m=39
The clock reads h=9 m=46
